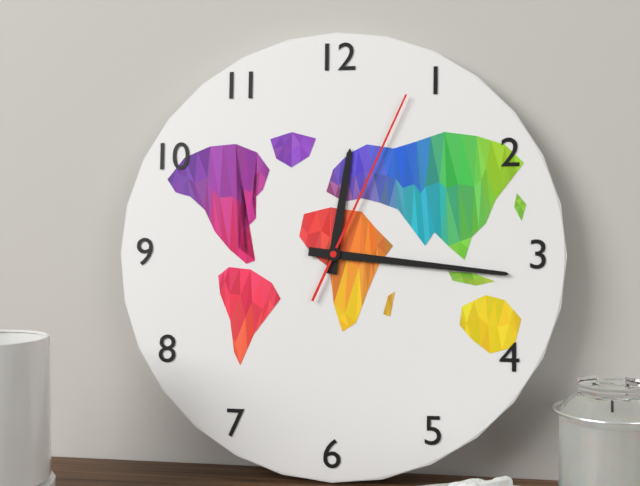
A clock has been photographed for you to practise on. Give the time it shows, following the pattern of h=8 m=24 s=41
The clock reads h=12 m=16 s=4
